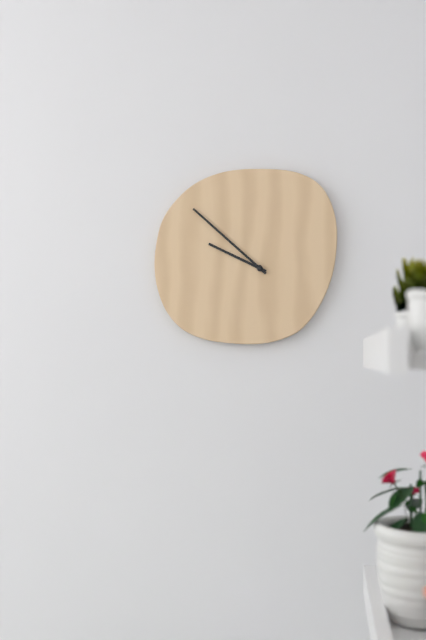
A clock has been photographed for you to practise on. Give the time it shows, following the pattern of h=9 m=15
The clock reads h=9 m=52
